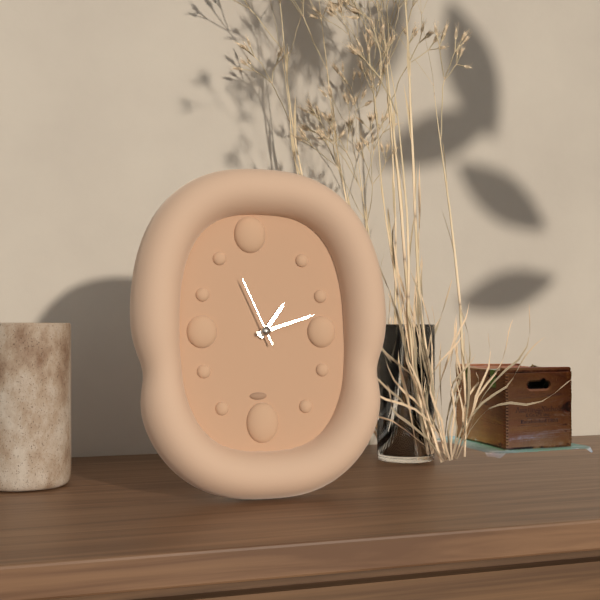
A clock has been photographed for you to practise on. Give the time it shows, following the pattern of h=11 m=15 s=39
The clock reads h=1 m=12 s=56
